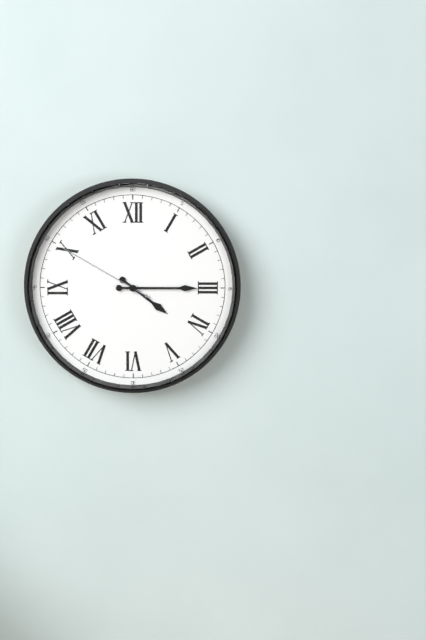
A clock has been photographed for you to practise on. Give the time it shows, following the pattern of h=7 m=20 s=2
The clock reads h=4 m=15 s=50
